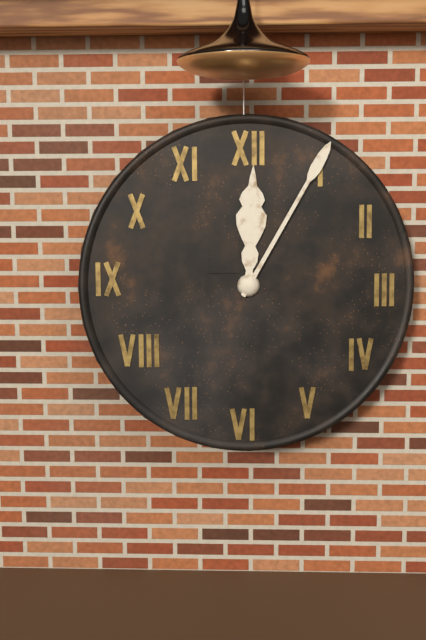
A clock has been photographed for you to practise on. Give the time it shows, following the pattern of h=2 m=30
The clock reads h=12 m=5
